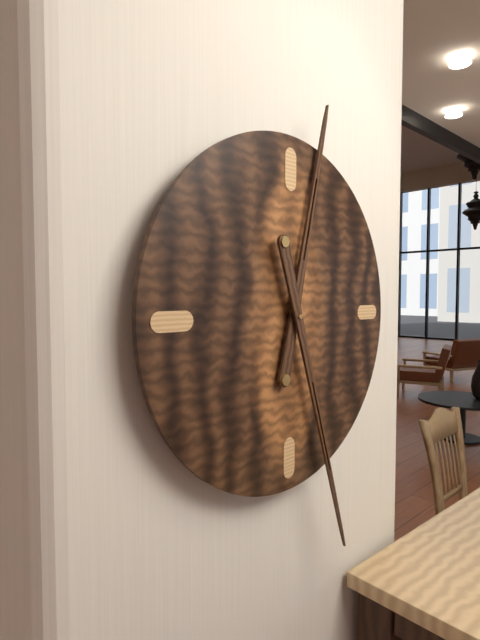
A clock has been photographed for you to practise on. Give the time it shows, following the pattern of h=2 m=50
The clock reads h=12 m=27
